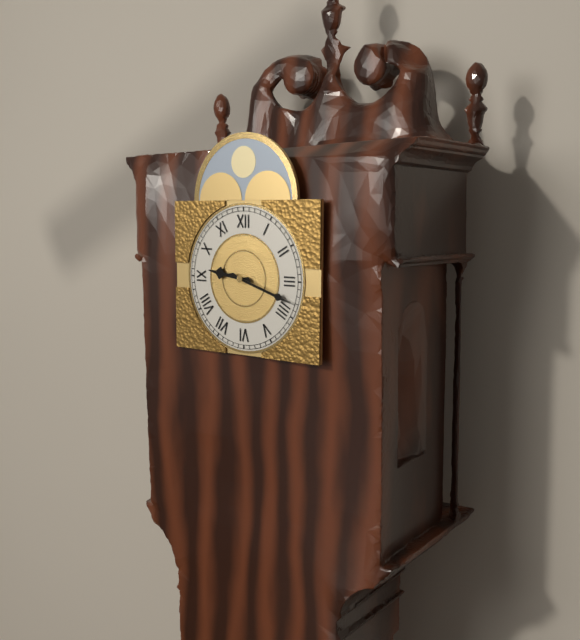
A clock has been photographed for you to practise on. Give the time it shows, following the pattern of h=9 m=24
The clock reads h=9 m=18
